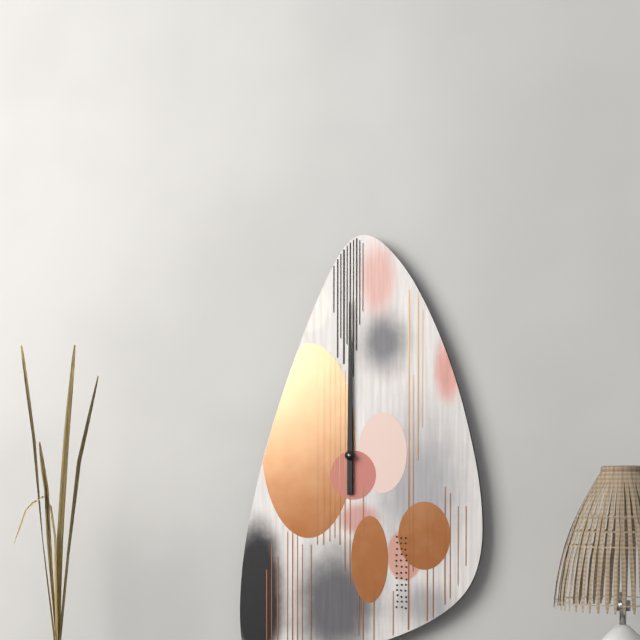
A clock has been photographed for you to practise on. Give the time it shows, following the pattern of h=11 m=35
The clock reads h=12 m=0
